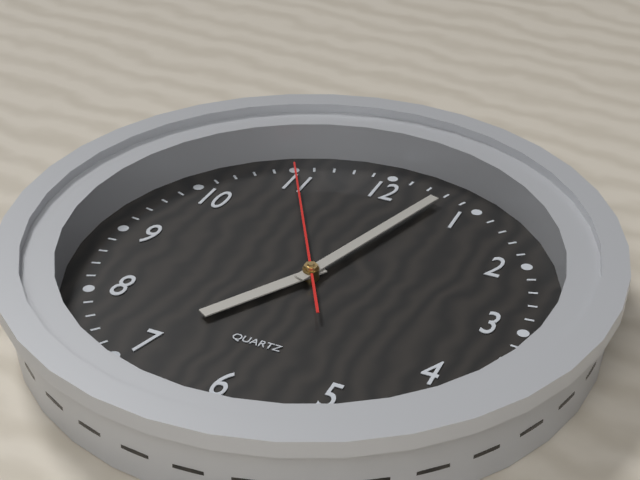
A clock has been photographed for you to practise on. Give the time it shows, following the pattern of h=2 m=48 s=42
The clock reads h=7 m=3 s=55
